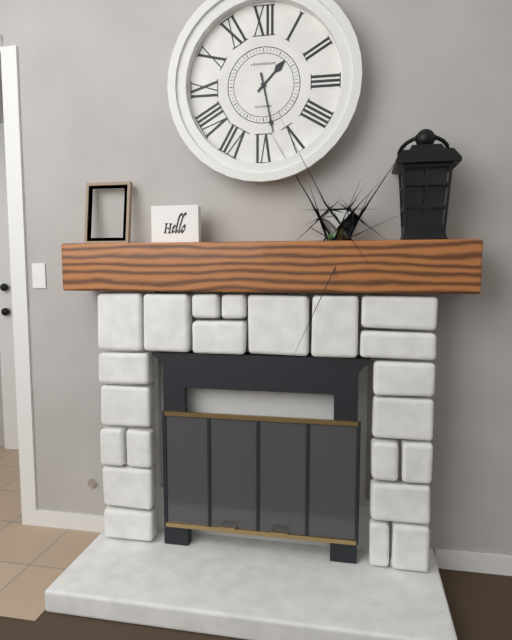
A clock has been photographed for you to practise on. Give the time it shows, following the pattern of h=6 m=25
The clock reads h=1 m=28
